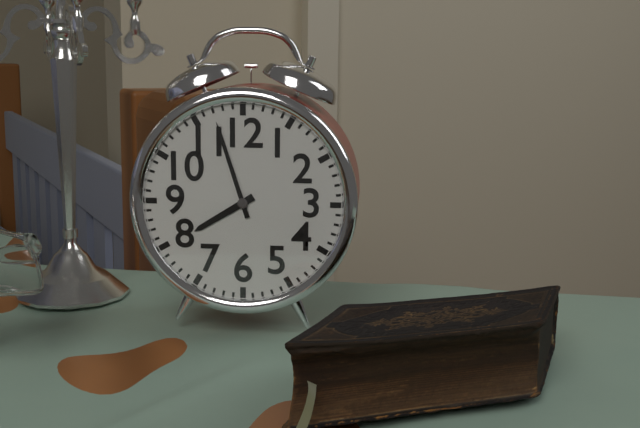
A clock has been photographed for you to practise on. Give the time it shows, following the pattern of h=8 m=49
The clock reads h=7 m=57
